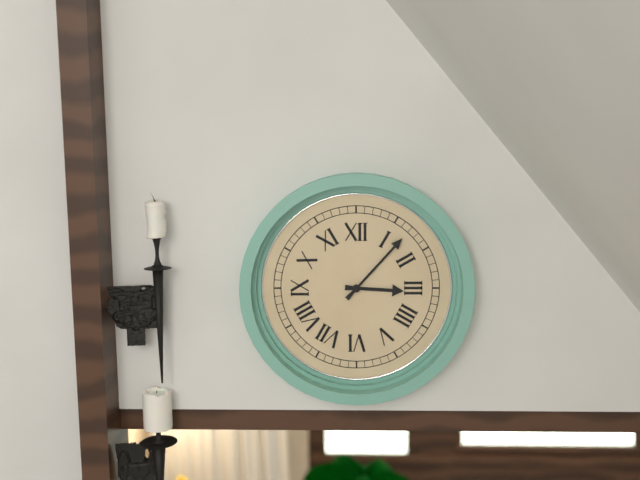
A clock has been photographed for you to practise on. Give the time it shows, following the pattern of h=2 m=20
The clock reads h=3 m=7
